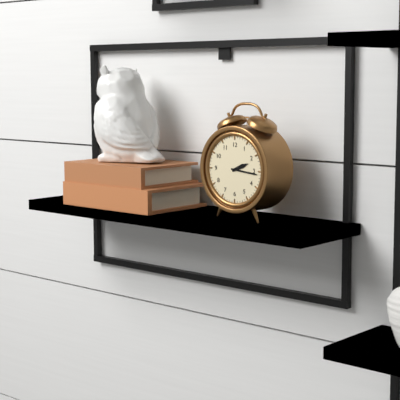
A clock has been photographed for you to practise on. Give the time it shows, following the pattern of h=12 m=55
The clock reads h=2 m=16
